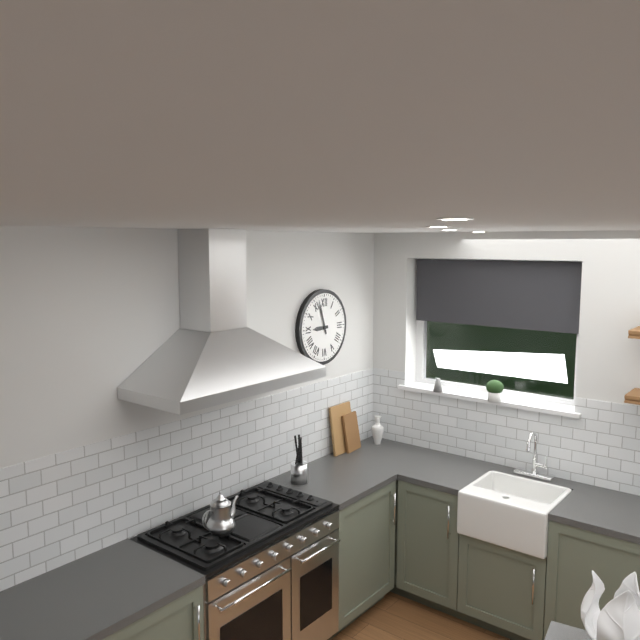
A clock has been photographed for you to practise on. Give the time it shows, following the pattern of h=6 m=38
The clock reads h=8 m=57
